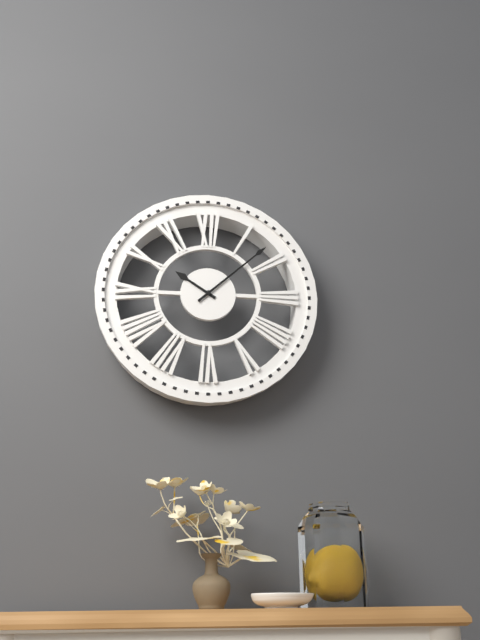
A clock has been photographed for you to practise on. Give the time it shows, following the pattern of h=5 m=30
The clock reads h=10 m=8
